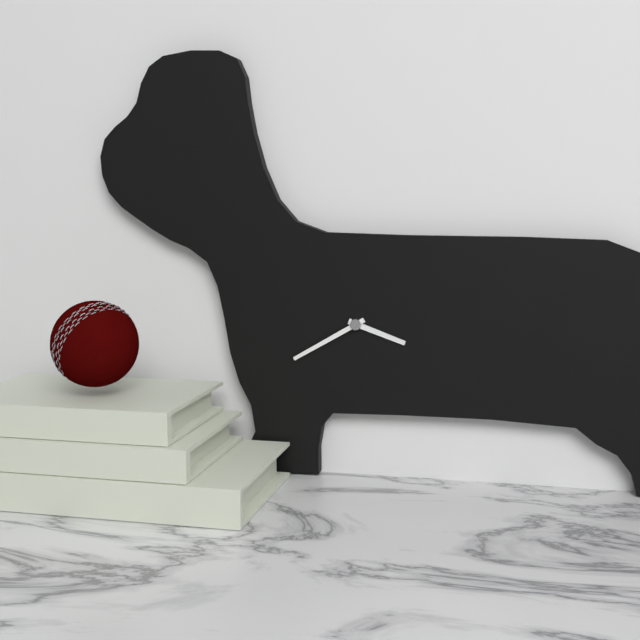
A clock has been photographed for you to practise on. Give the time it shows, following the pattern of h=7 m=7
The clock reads h=3 m=40
